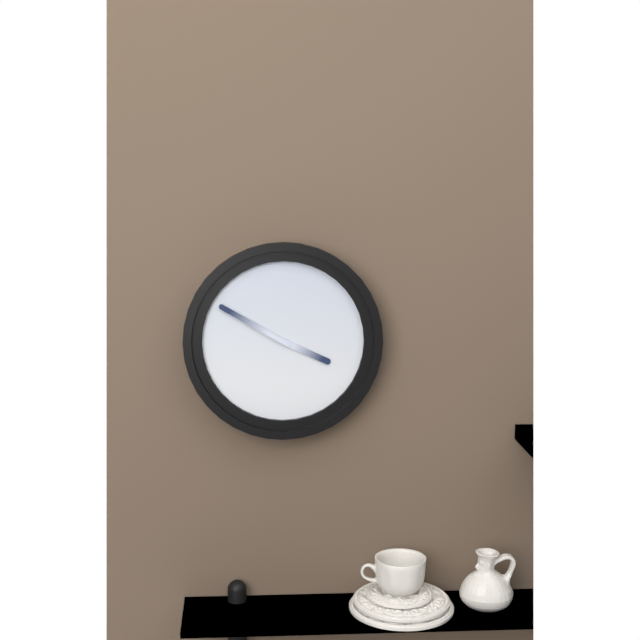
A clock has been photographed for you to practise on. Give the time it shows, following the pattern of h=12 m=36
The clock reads h=3 m=50
